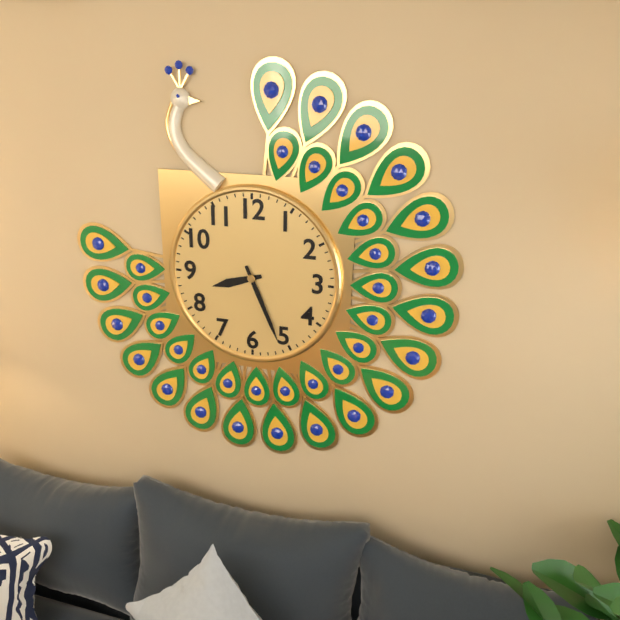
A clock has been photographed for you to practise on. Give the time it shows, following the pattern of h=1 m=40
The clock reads h=8 m=26
